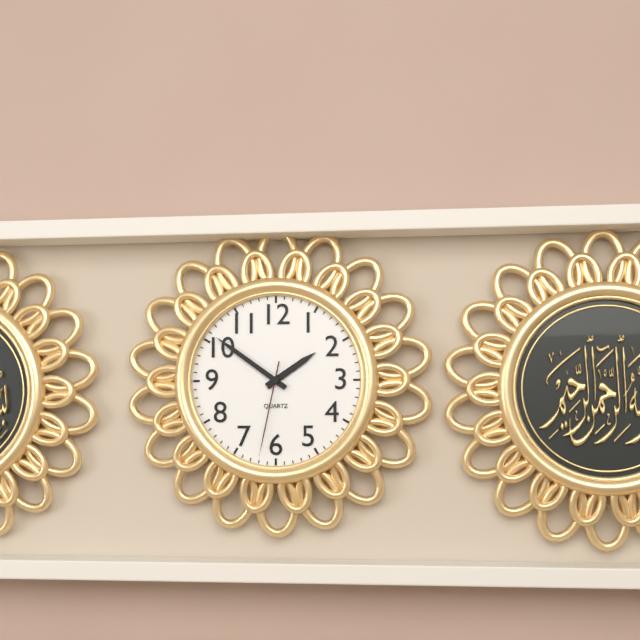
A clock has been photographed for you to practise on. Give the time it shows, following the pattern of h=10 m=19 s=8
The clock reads h=1 m=51 s=32
